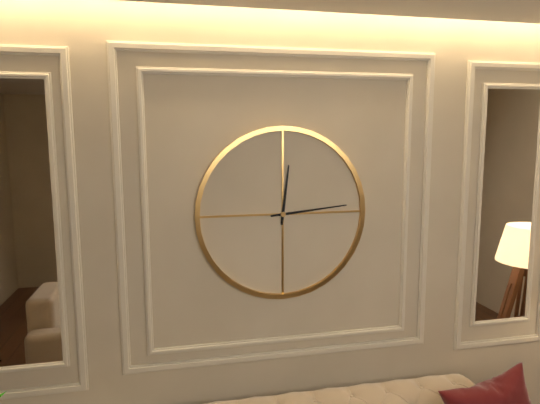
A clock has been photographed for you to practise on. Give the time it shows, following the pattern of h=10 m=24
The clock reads h=12 m=14
